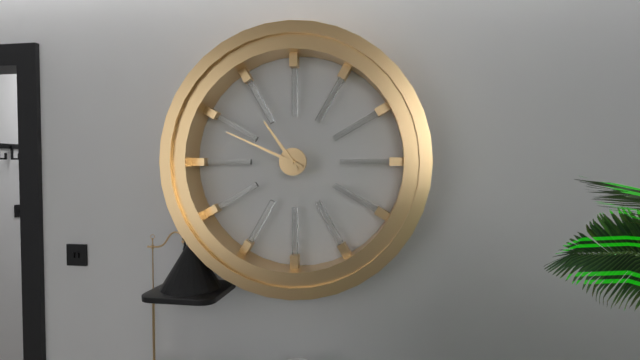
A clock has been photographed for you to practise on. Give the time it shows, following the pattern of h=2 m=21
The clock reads h=10 m=49
